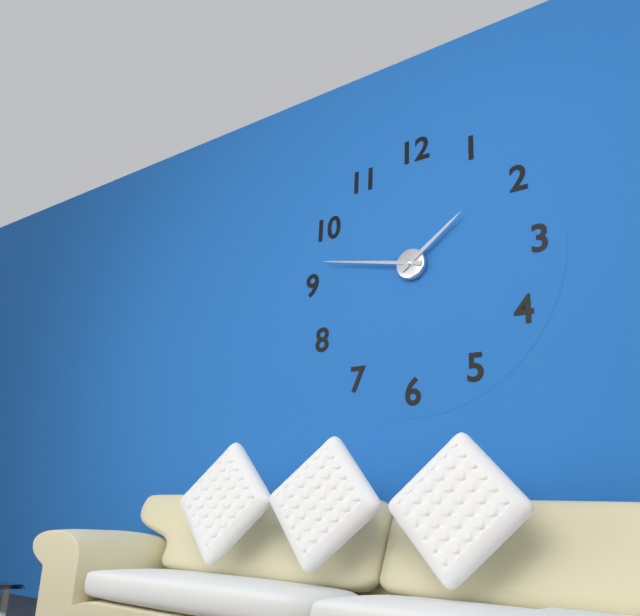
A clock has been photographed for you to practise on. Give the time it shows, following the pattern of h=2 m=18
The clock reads h=1 m=47
